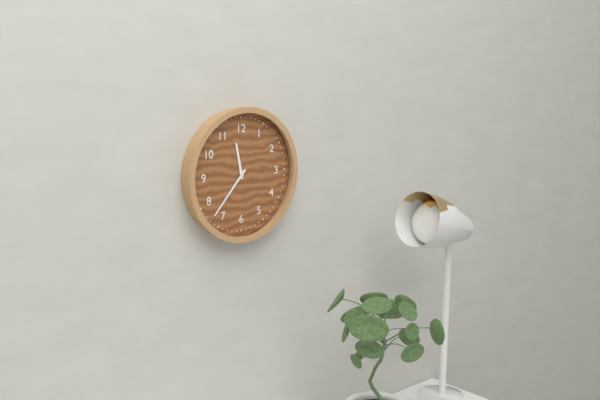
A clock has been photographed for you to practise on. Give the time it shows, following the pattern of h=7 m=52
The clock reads h=11 m=37
